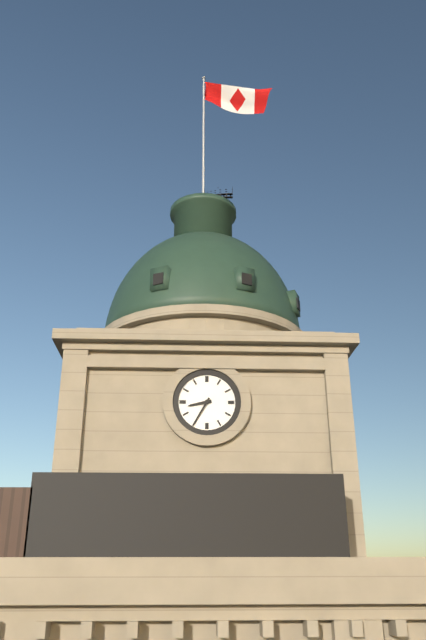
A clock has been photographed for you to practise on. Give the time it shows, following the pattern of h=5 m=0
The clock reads h=8 m=35
